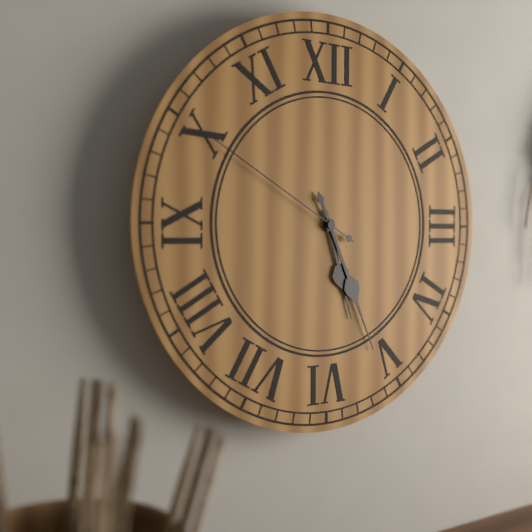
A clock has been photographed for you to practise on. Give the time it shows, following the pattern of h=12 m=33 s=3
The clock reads h=5 m=26 s=50
